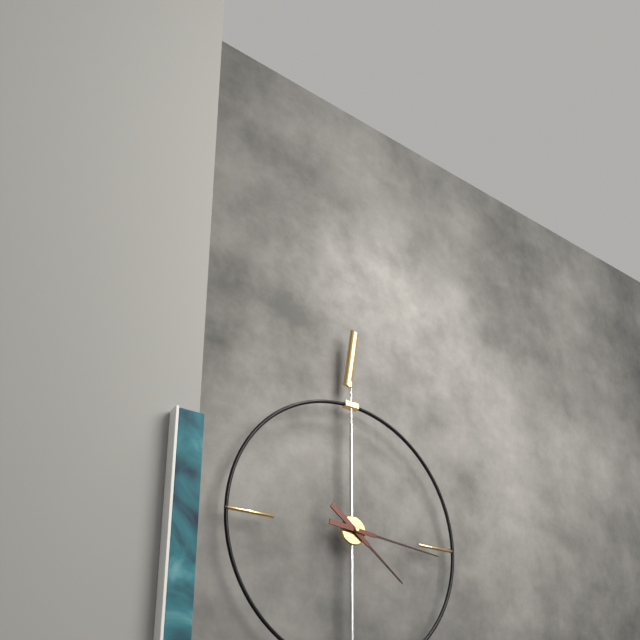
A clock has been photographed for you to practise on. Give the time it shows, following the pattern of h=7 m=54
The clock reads h=4 m=16
